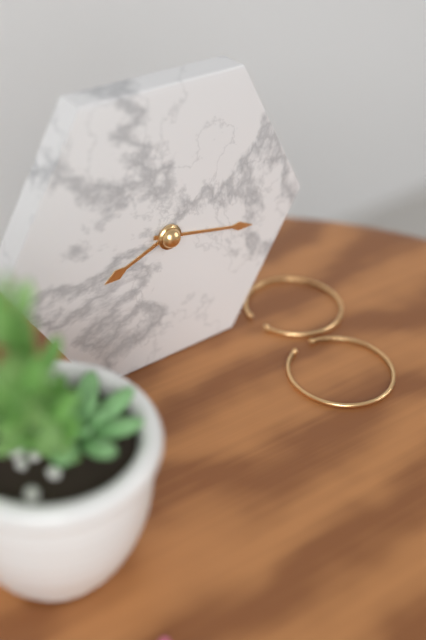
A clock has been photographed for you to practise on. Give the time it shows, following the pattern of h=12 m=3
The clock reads h=8 m=17
